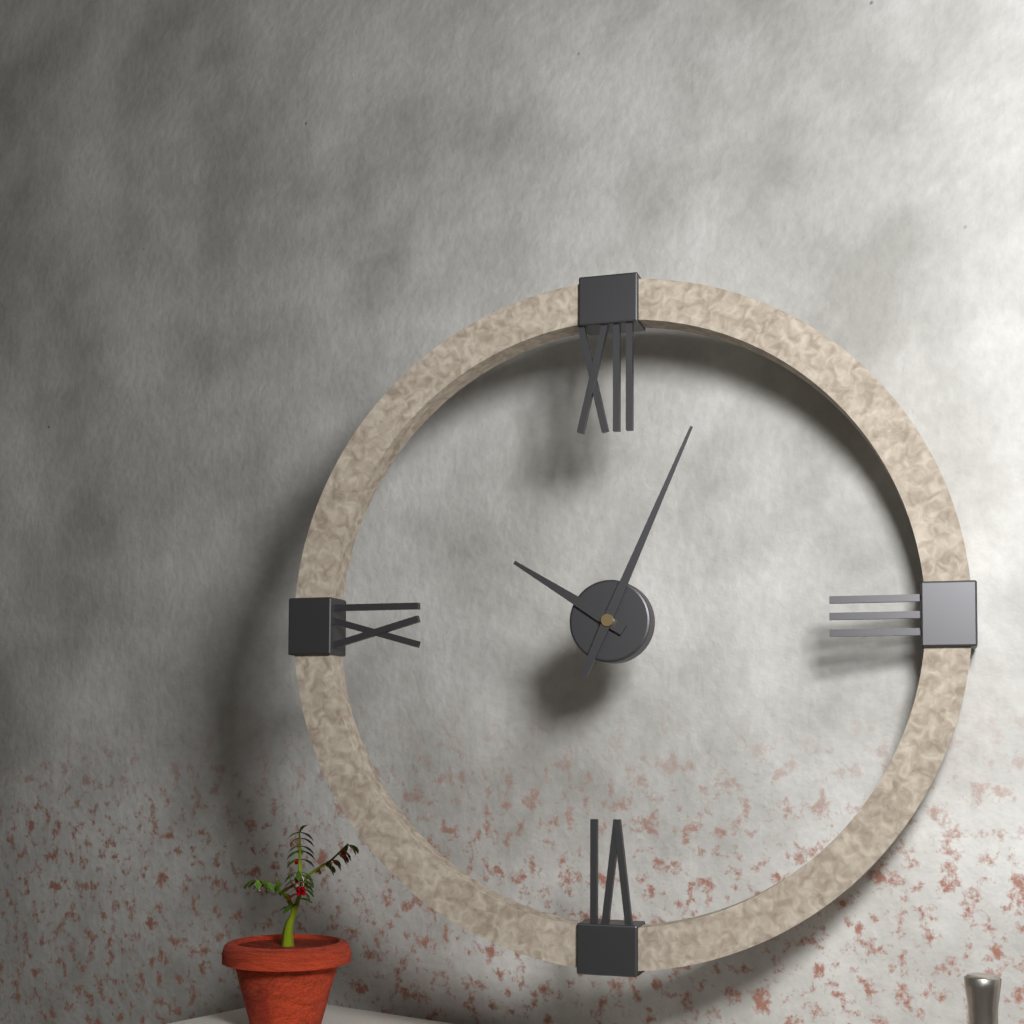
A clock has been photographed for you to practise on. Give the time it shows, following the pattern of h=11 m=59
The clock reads h=10 m=4
